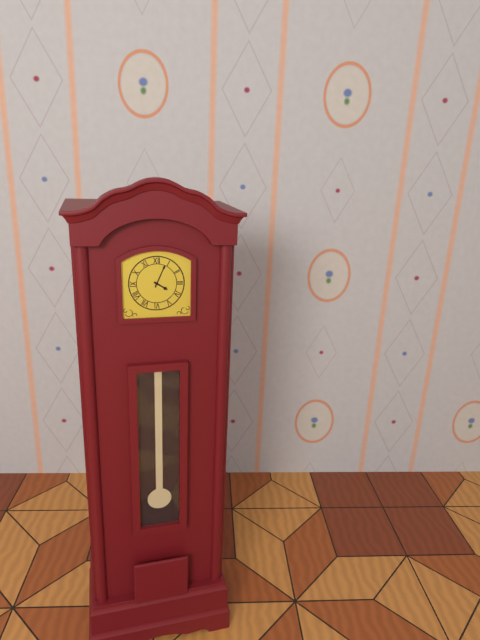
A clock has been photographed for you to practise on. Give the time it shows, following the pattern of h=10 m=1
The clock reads h=4 m=4
